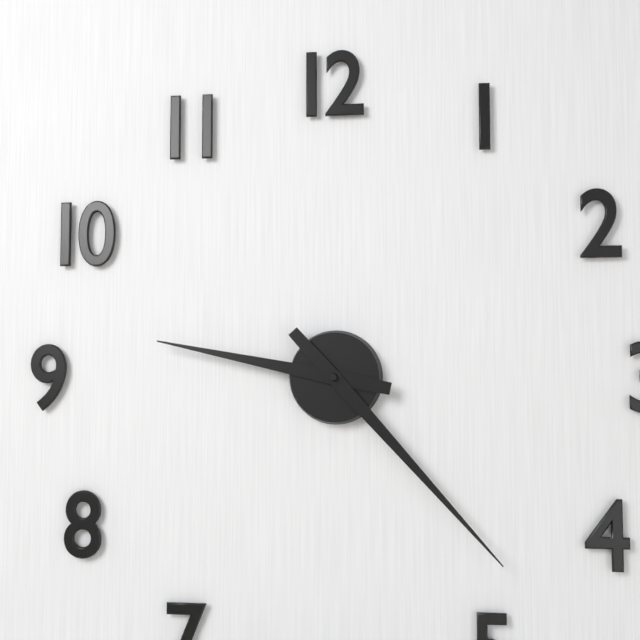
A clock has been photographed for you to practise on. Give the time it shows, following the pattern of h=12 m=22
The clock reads h=9 m=23
